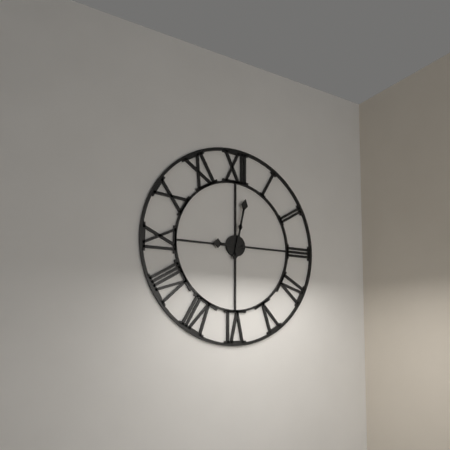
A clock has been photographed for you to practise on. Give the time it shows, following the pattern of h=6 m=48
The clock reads h=9 m=2
